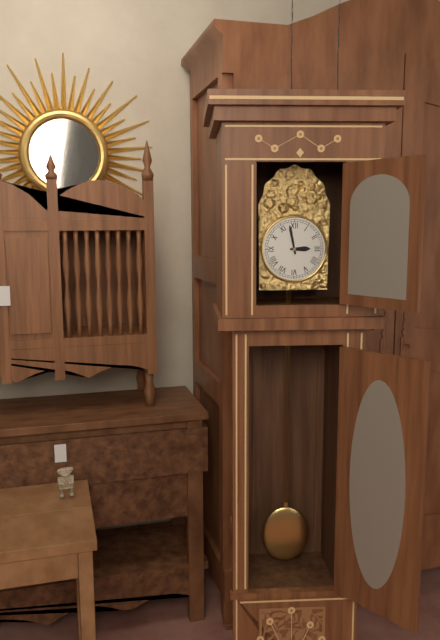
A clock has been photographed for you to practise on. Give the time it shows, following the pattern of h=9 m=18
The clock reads h=2 m=58
